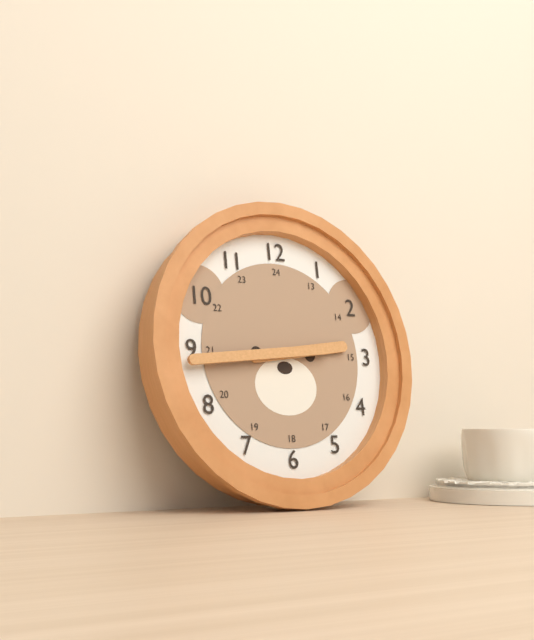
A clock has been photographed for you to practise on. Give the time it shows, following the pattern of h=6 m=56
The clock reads h=2 m=44
